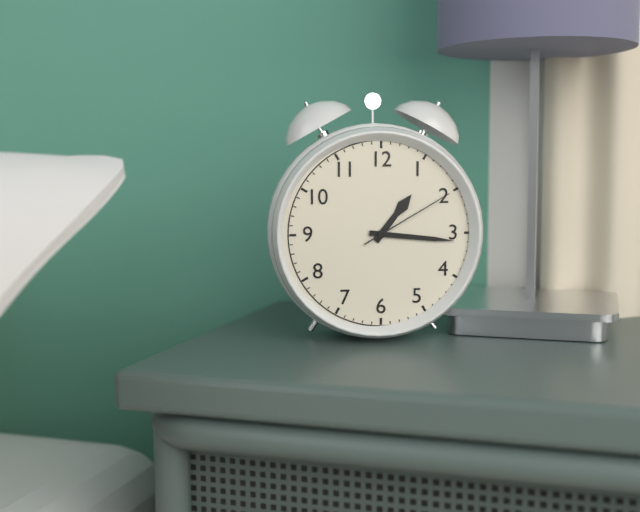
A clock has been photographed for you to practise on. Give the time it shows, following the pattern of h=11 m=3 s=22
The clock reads h=1 m=16 s=10
